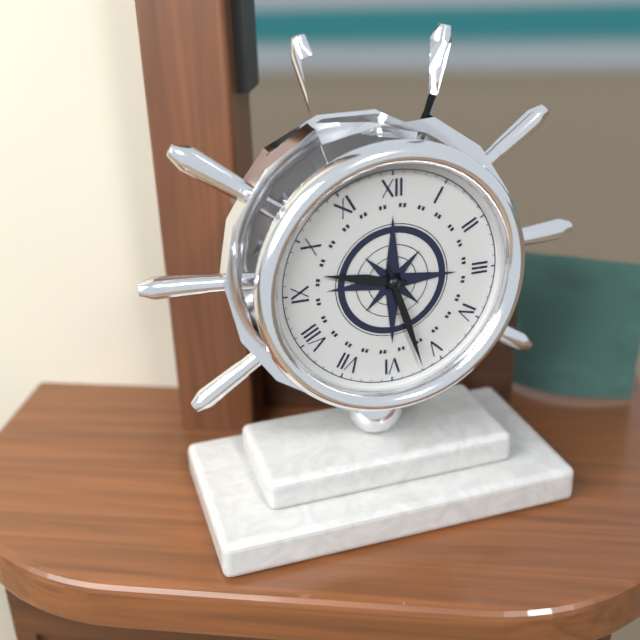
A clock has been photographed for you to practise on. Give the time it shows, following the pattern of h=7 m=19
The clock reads h=9 m=27
